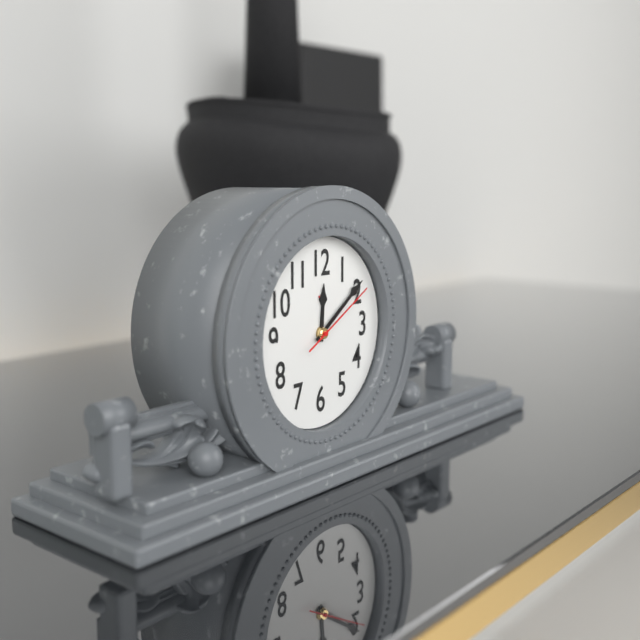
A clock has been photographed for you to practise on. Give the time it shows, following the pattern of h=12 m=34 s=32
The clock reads h=12 m=9 s=10
